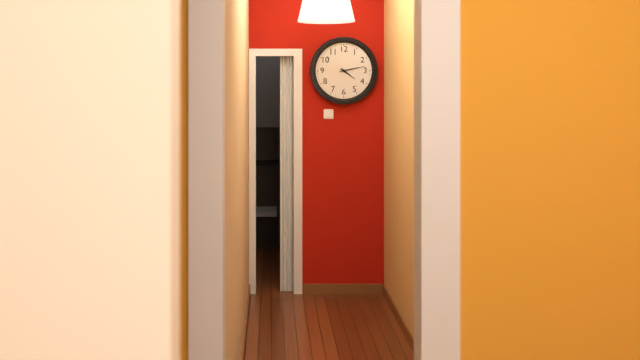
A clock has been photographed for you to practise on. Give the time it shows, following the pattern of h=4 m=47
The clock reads h=4 m=13
